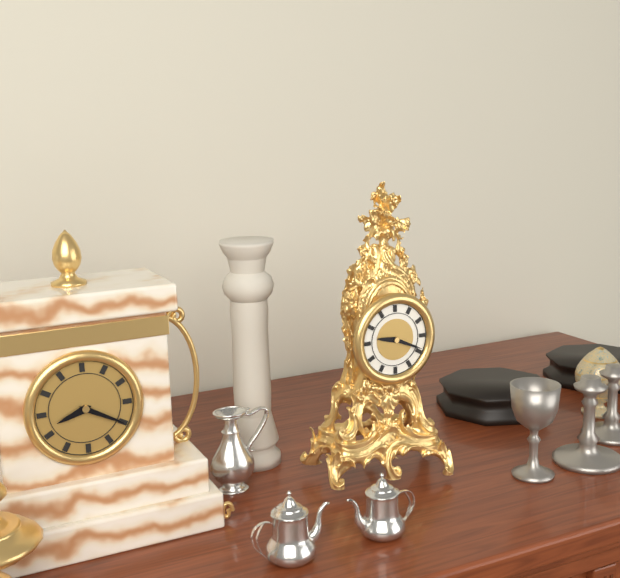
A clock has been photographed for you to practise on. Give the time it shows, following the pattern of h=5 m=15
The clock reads h=9 m=19
